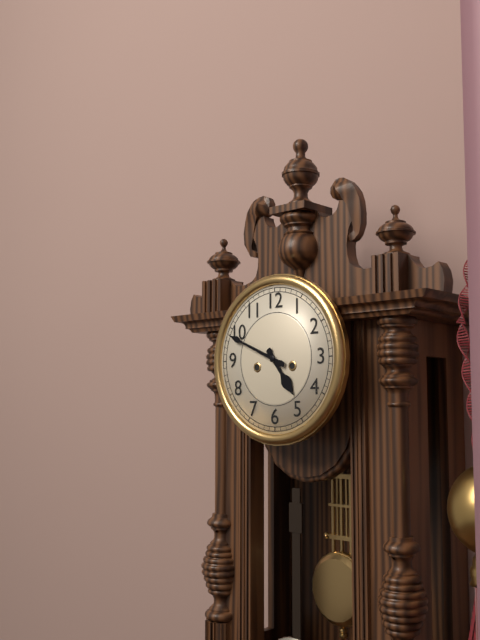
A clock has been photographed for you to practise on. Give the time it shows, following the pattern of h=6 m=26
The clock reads h=4 m=49
